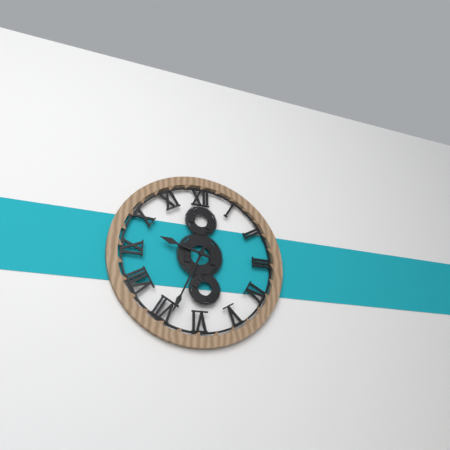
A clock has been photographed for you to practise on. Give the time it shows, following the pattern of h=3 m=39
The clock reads h=9 m=34
